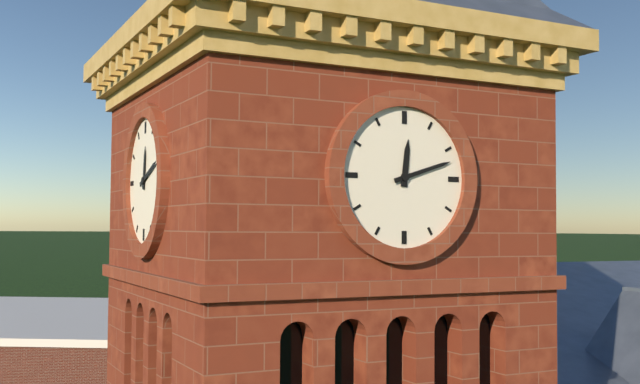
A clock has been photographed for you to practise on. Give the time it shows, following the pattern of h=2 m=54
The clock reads h=12 m=12
